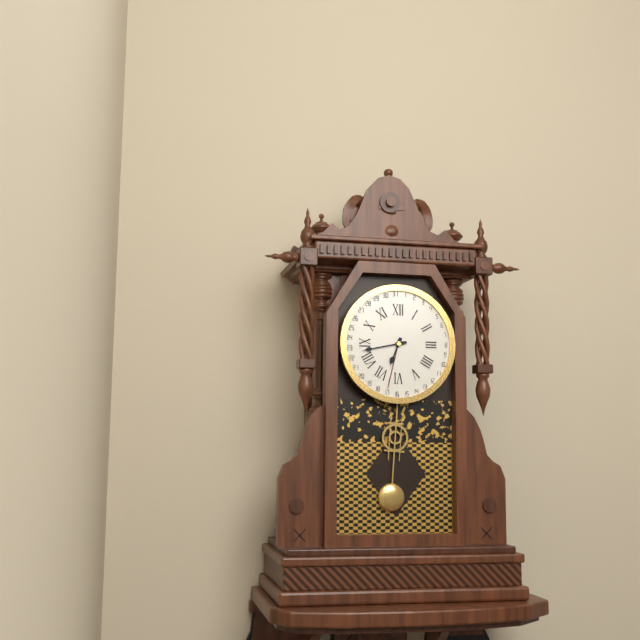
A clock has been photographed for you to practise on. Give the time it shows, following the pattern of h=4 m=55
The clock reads h=6 m=43
